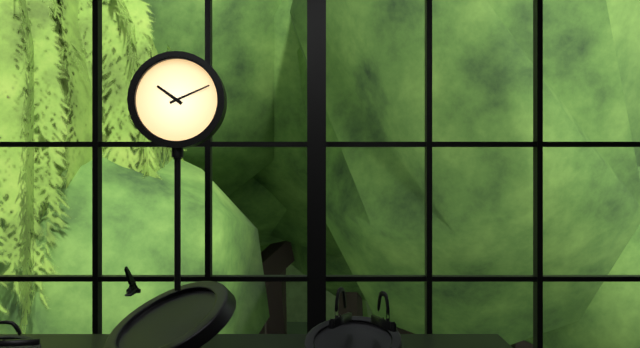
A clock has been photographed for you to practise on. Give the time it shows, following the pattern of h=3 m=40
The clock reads h=10 m=11
